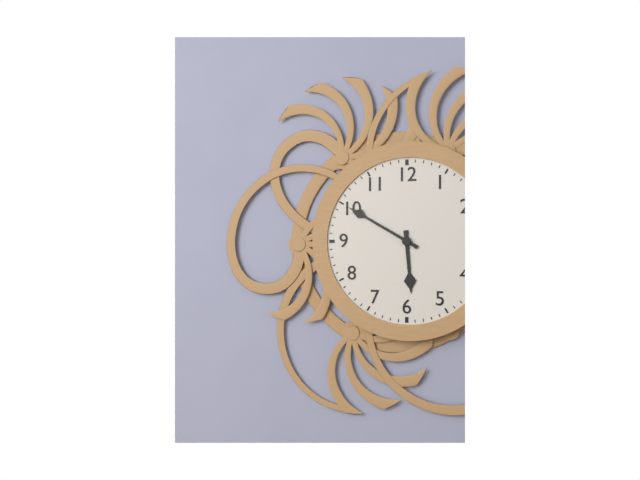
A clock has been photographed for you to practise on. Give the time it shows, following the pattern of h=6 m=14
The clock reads h=5 m=50
